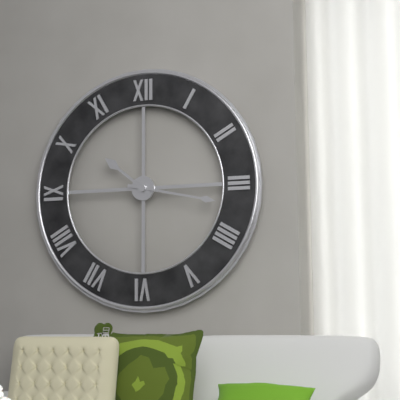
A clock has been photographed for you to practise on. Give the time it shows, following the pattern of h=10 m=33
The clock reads h=10 m=17
